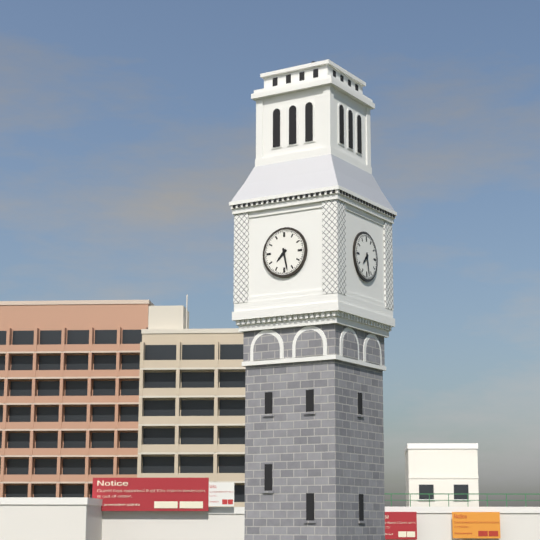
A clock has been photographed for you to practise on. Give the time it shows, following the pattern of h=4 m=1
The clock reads h=7 m=28
